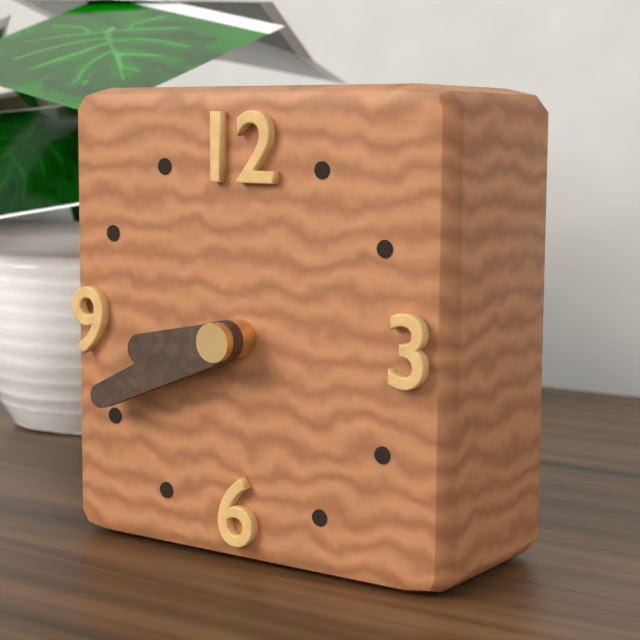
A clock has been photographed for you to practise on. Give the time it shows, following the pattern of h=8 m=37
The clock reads h=8 m=41
